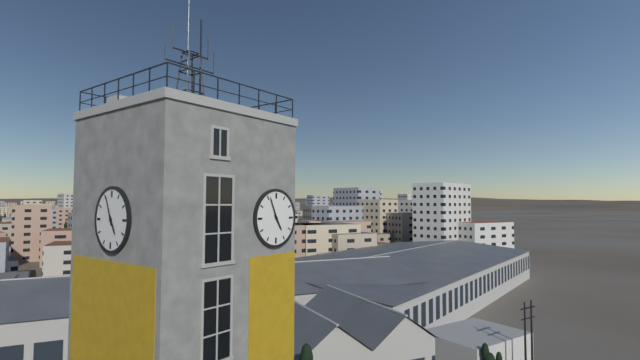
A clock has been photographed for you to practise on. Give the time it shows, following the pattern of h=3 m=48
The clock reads h=4 m=56
